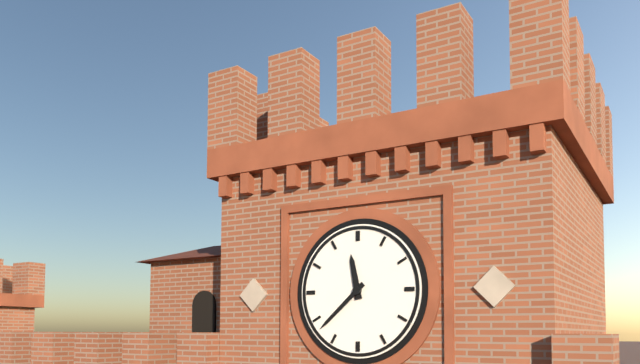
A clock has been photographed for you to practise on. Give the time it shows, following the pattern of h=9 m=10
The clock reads h=11 m=38
